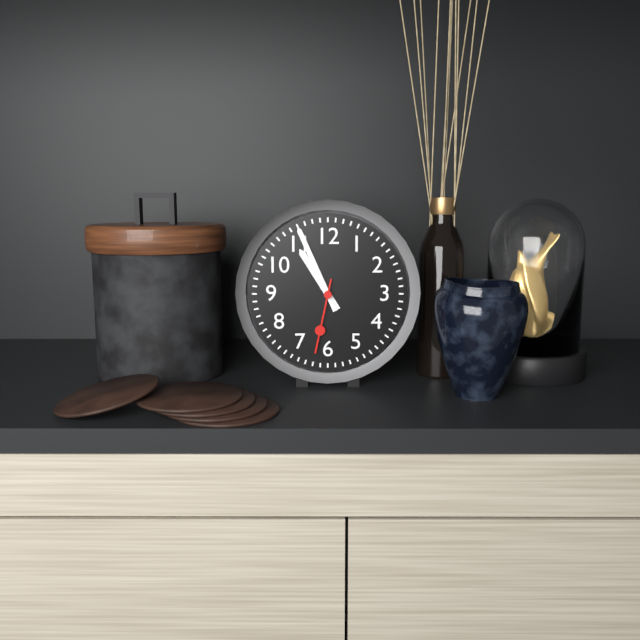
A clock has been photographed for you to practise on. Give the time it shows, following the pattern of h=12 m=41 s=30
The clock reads h=10 m=56 s=32
